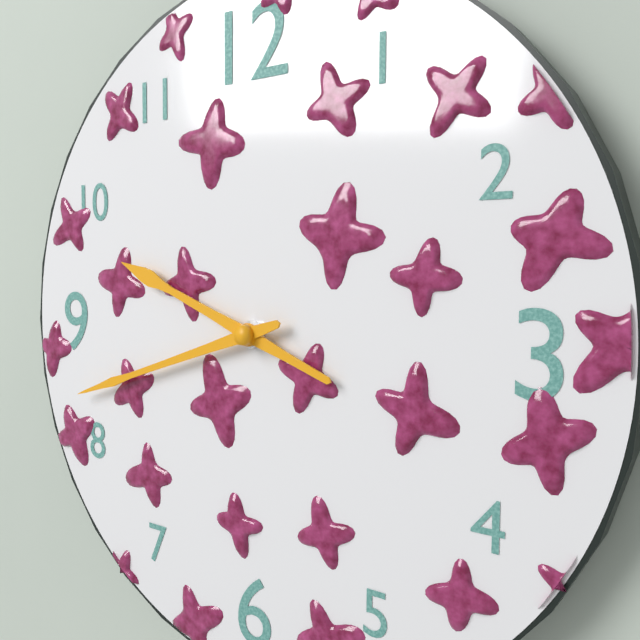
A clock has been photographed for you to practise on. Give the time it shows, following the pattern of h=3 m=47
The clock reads h=9 m=42
